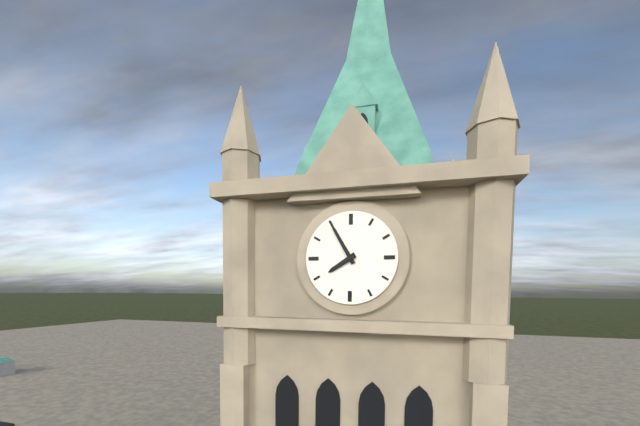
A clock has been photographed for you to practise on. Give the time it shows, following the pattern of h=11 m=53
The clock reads h=7 m=55
